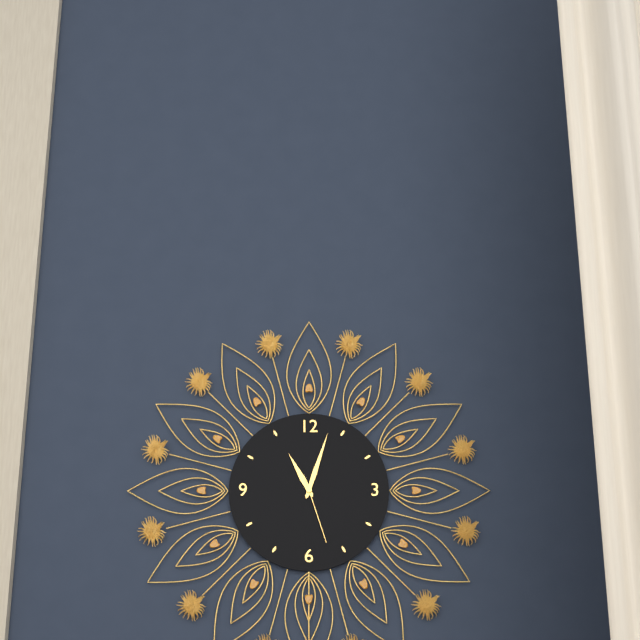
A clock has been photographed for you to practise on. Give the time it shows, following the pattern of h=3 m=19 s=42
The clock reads h=11 m=3 s=27
